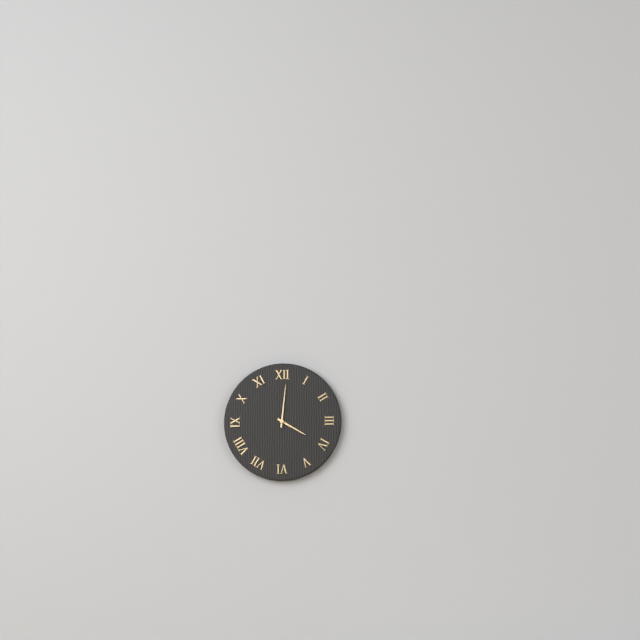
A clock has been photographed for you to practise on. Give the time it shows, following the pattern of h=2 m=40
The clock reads h=4 m=1
